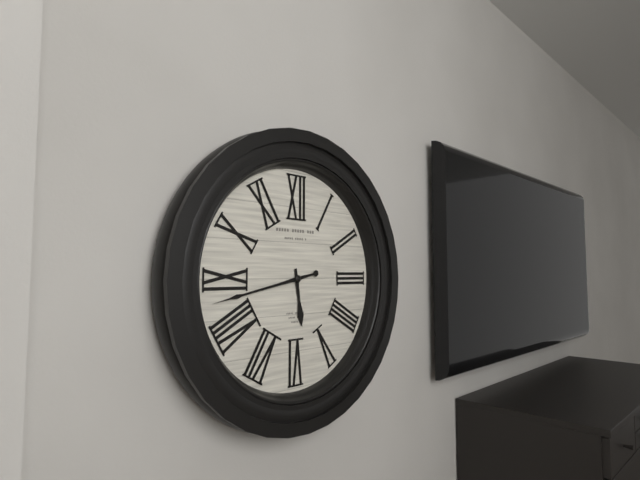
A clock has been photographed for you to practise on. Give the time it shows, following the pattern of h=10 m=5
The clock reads h=5 m=43
